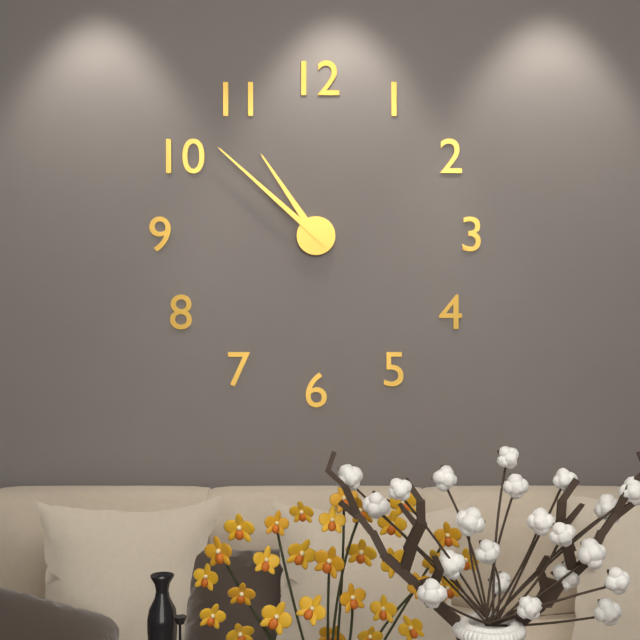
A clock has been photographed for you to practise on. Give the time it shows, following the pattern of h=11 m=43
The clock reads h=10 m=52
